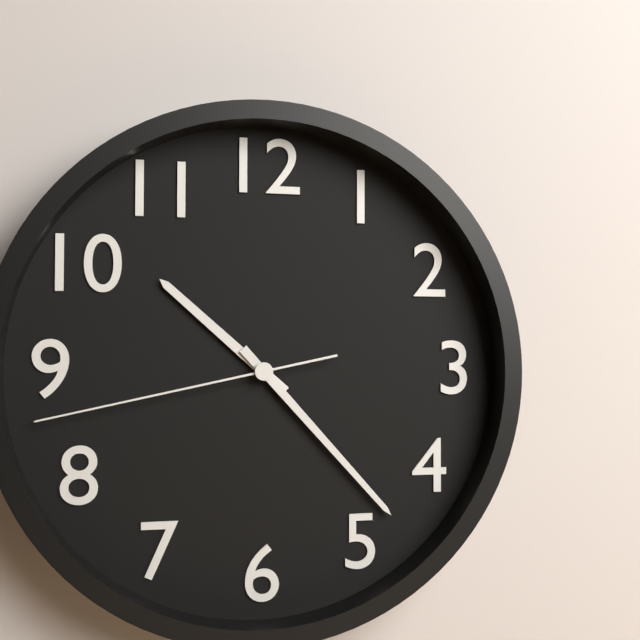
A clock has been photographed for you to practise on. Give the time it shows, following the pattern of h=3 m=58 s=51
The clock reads h=10 m=23 s=43
